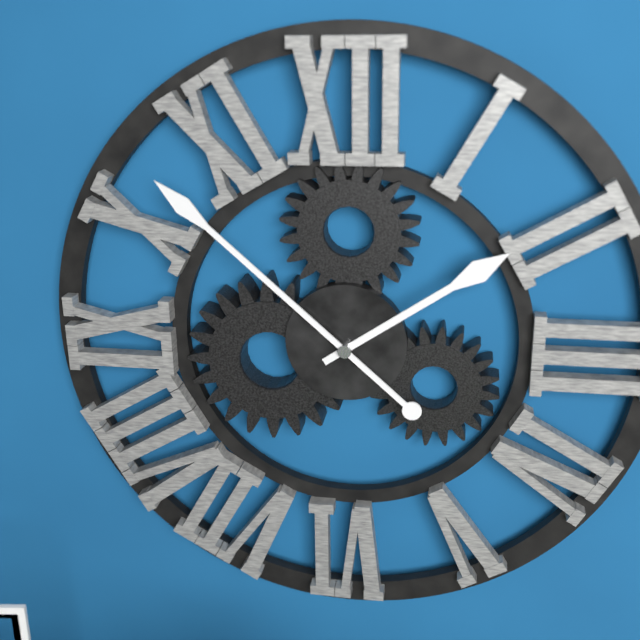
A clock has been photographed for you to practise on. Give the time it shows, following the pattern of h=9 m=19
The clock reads h=1 m=52
